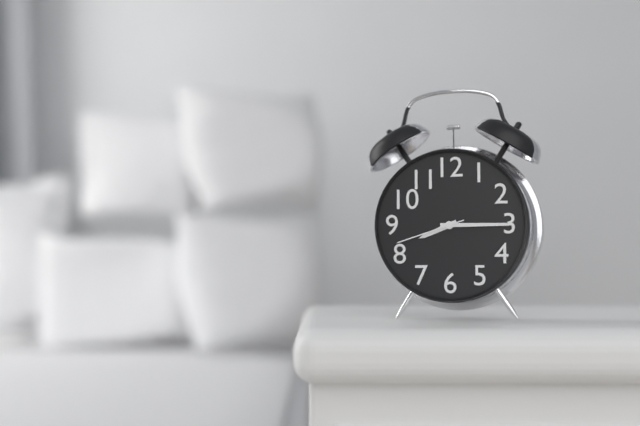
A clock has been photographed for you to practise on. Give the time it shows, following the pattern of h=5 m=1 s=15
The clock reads h=8 m=15 s=42
